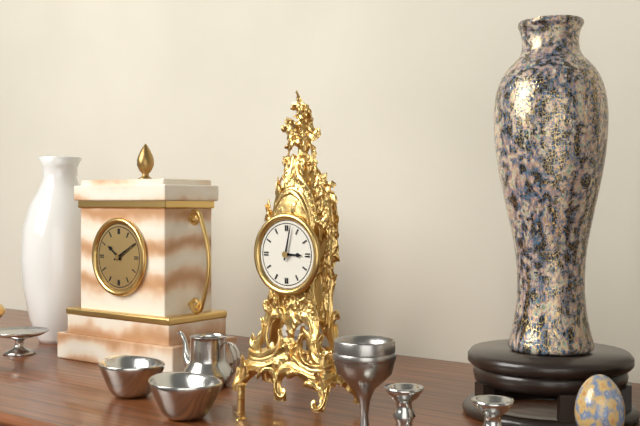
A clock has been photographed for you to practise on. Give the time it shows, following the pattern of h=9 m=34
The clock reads h=3 m=2
